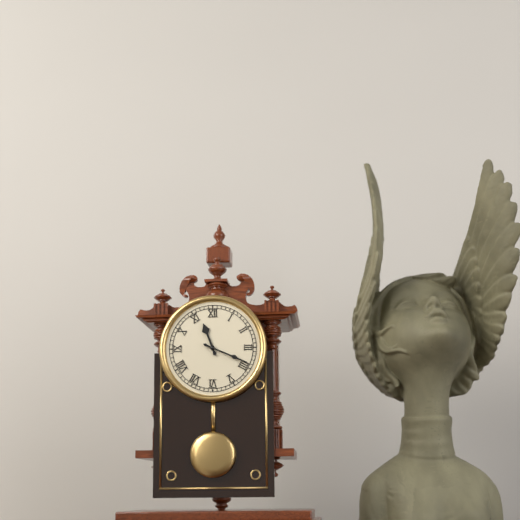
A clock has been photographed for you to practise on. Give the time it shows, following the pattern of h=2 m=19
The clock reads h=11 m=19
